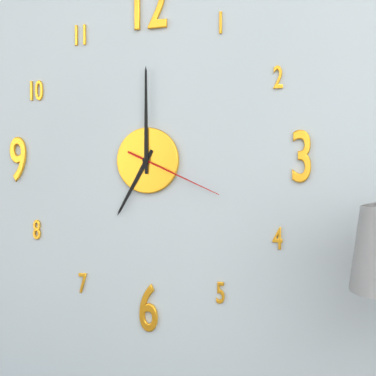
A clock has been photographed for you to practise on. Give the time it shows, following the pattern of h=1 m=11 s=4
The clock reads h=7 m=0 s=19
